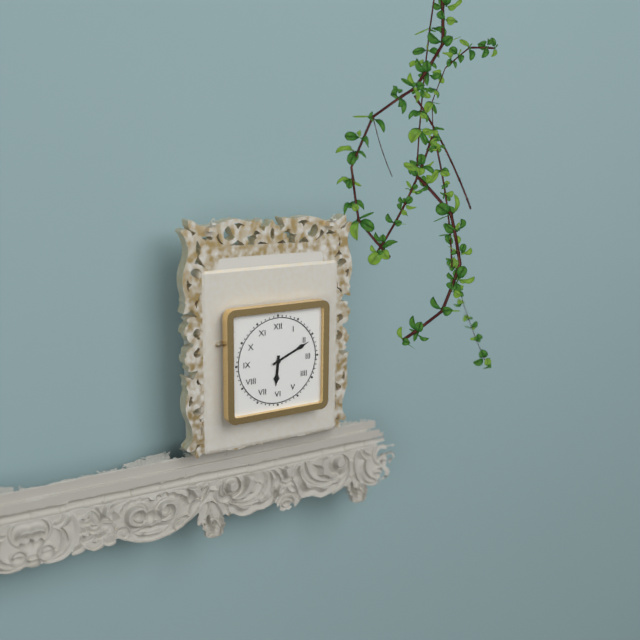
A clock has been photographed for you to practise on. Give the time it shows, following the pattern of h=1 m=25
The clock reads h=6 m=11
